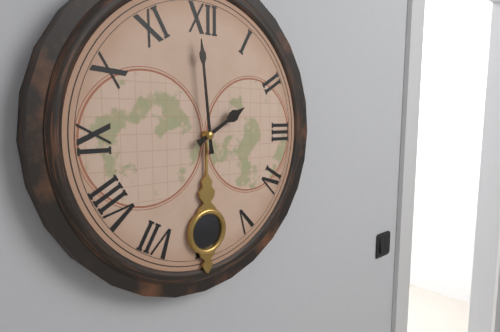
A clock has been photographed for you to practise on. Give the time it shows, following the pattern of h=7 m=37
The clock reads h=1 m=59
